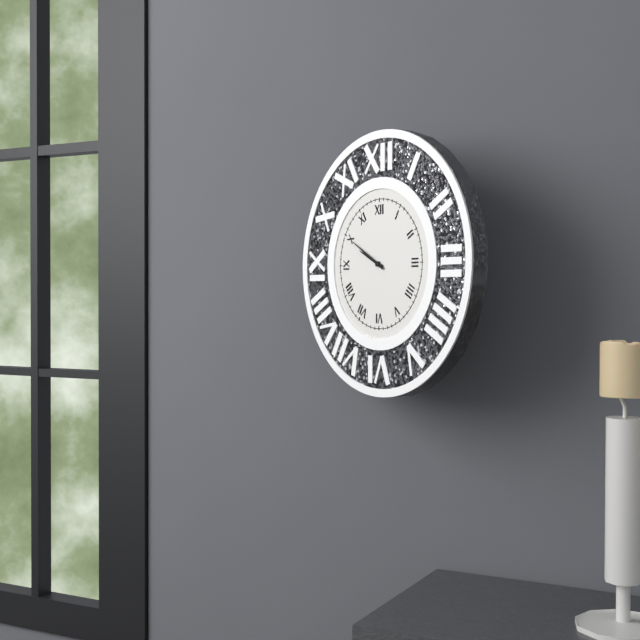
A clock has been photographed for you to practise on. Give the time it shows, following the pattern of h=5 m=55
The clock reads h=9 m=50
